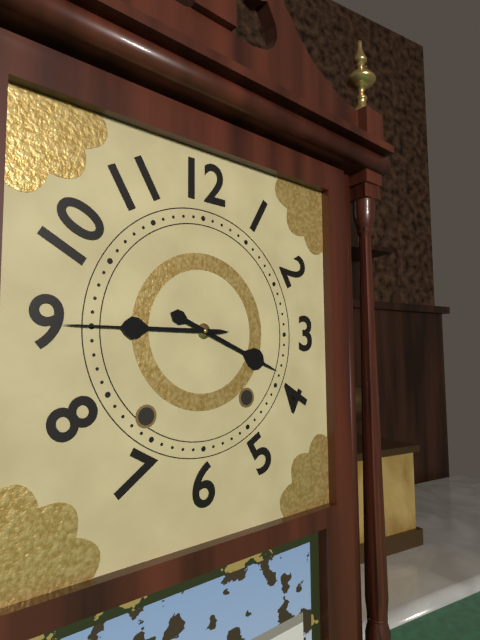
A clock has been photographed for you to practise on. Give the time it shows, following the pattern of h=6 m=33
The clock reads h=3 m=45
